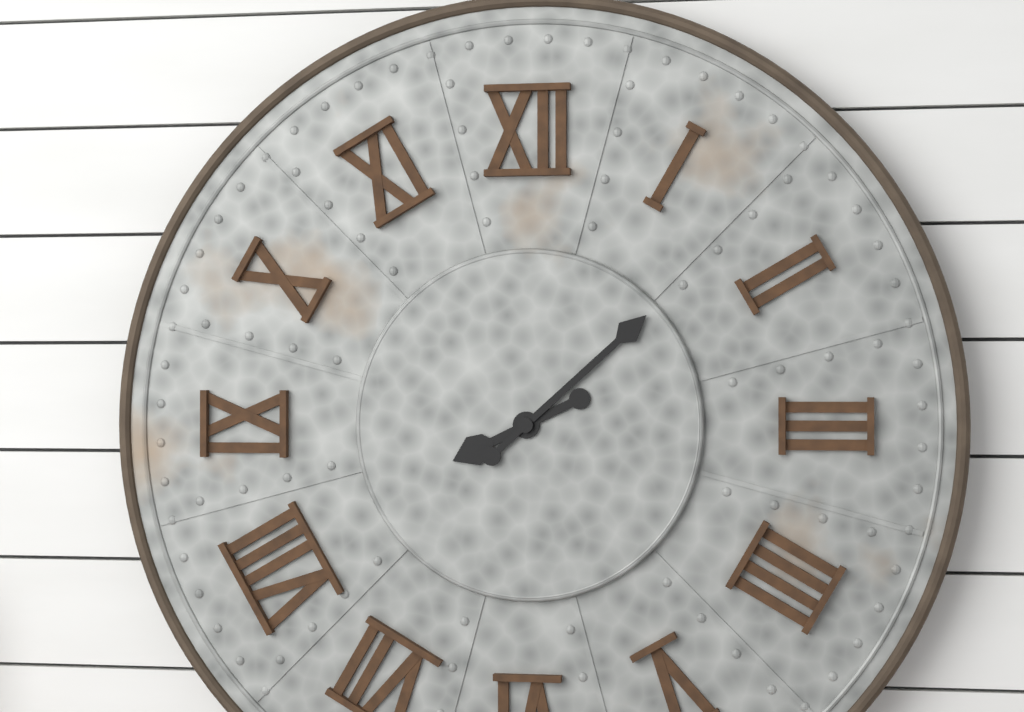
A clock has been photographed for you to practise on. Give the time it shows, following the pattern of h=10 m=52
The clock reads h=8 m=8
